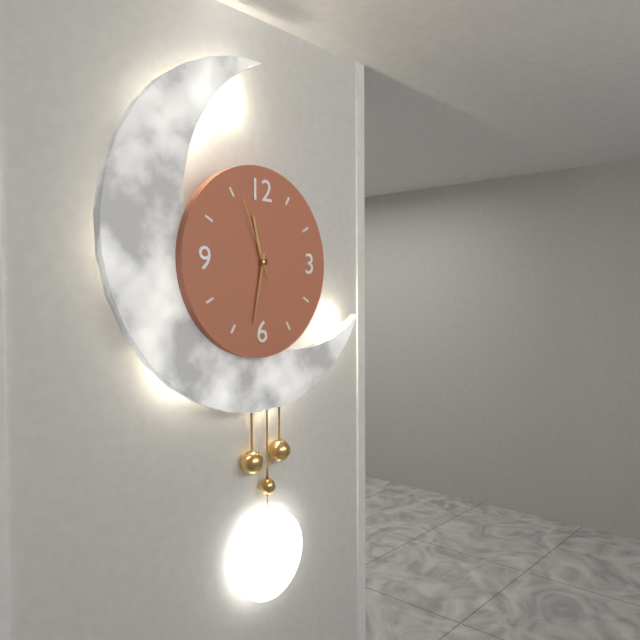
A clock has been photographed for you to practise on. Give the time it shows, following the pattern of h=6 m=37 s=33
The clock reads h=11 m=32 s=56
